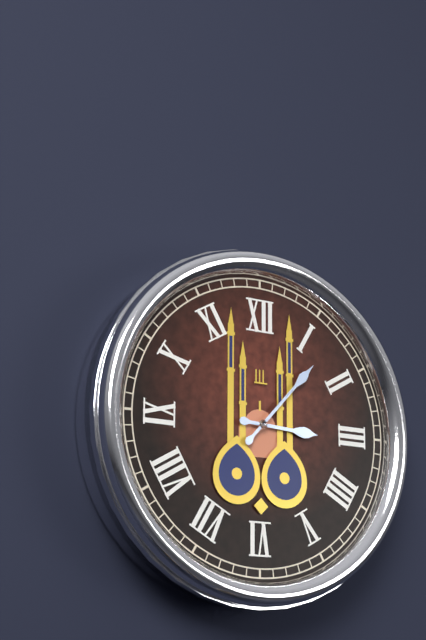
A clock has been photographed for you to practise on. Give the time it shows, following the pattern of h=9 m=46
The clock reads h=3 m=7
